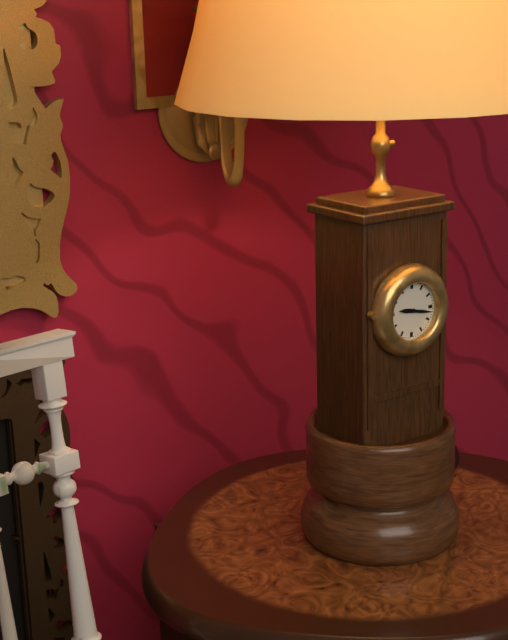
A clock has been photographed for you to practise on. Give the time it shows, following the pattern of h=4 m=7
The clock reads h=9 m=17
